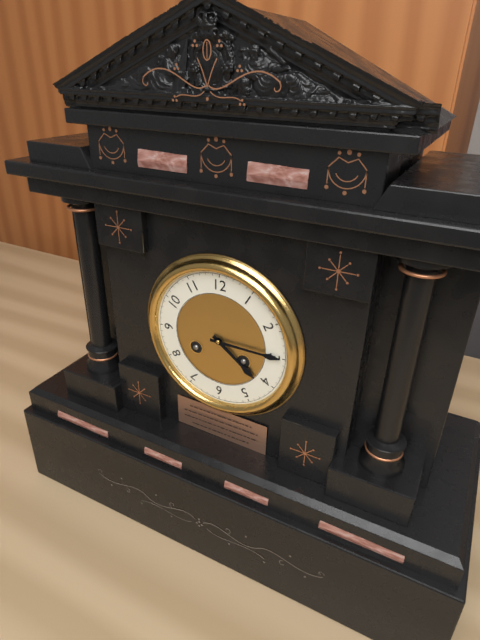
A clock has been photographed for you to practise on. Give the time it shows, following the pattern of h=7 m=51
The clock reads h=4 m=15
